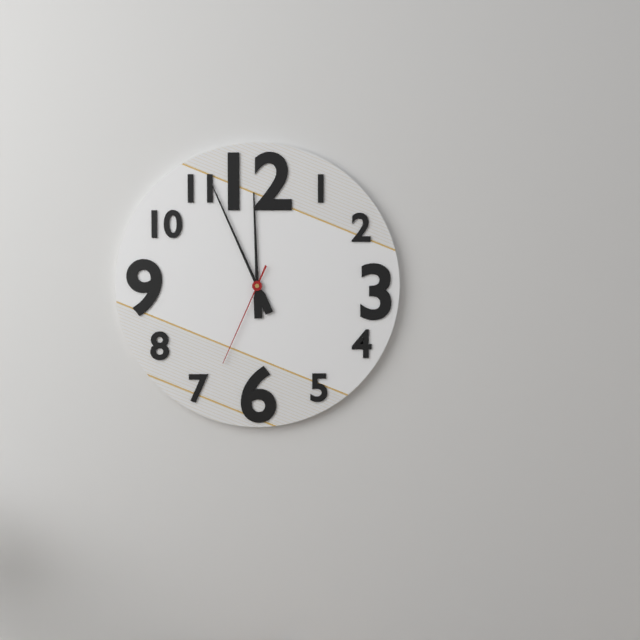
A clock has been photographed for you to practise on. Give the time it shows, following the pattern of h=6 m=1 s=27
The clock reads h=11 m=56 s=34
